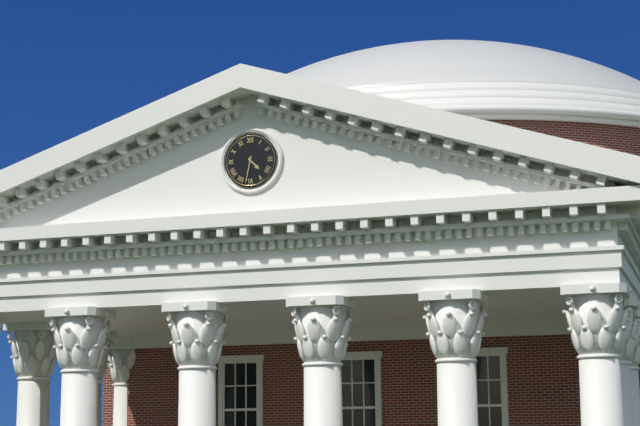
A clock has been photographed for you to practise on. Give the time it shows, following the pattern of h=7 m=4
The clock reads h=4 m=32
